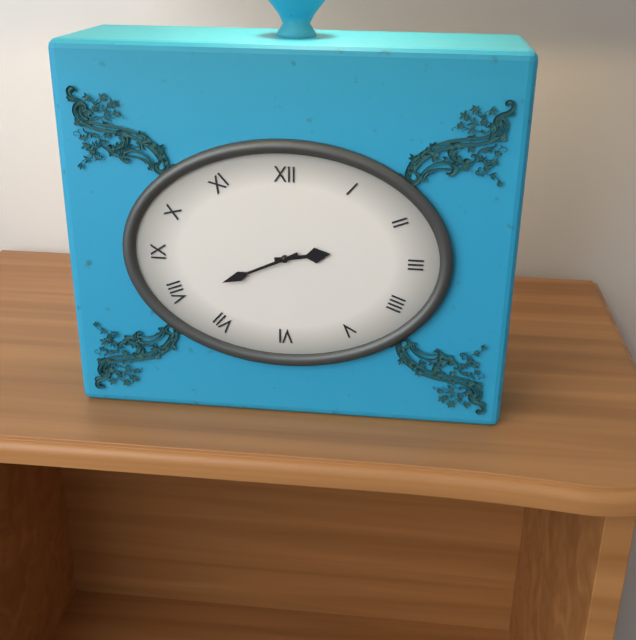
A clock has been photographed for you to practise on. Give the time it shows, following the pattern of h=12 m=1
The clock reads h=2 m=41
